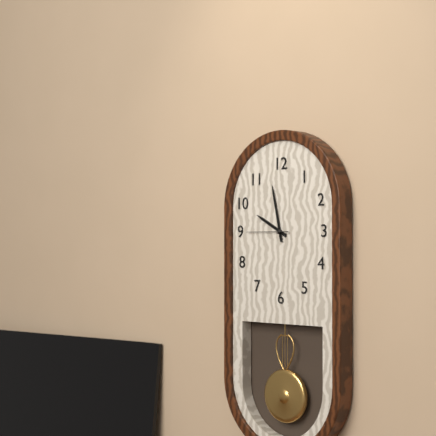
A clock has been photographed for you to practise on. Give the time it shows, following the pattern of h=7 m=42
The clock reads h=9 m=58
